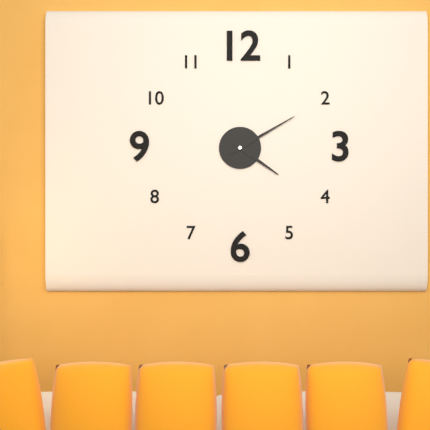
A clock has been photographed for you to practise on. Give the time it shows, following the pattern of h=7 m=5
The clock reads h=4 m=10
